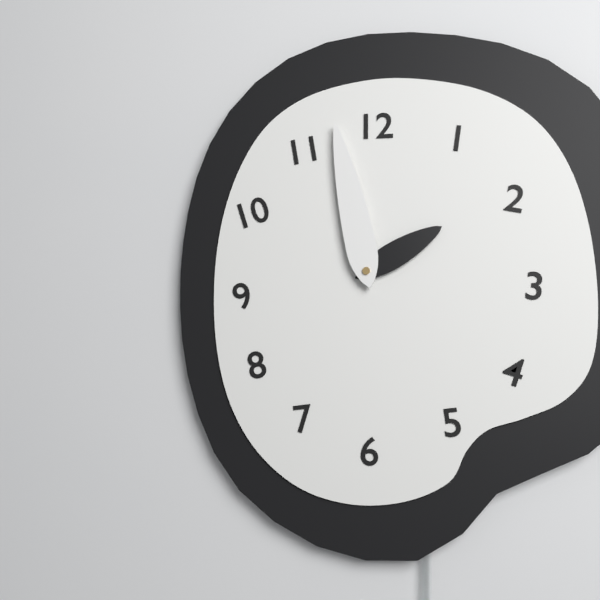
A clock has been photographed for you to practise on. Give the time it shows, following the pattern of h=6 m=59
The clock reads h=1 m=58
